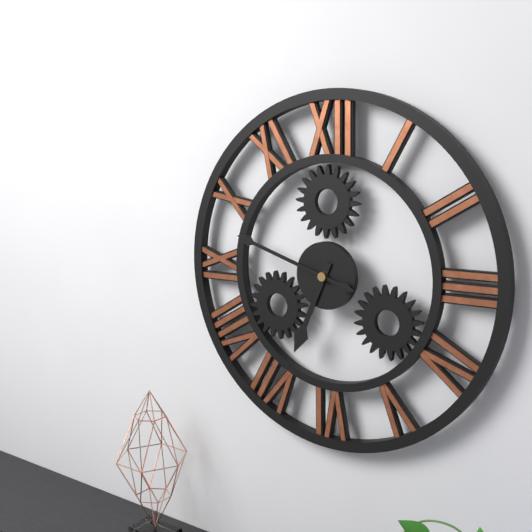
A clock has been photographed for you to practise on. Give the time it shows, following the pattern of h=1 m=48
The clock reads h=6 m=48
